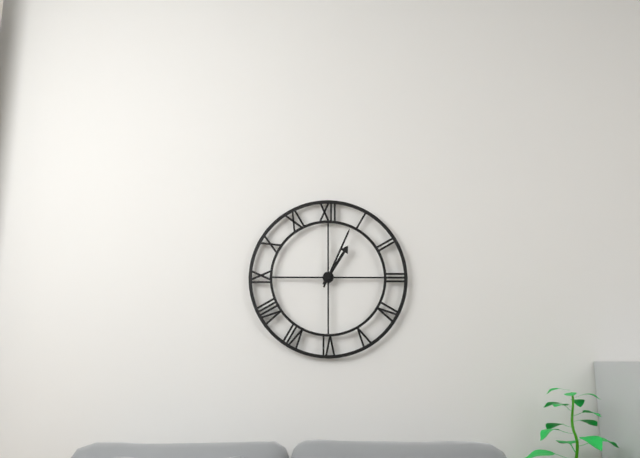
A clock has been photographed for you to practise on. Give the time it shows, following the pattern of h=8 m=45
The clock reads h=1 m=4
